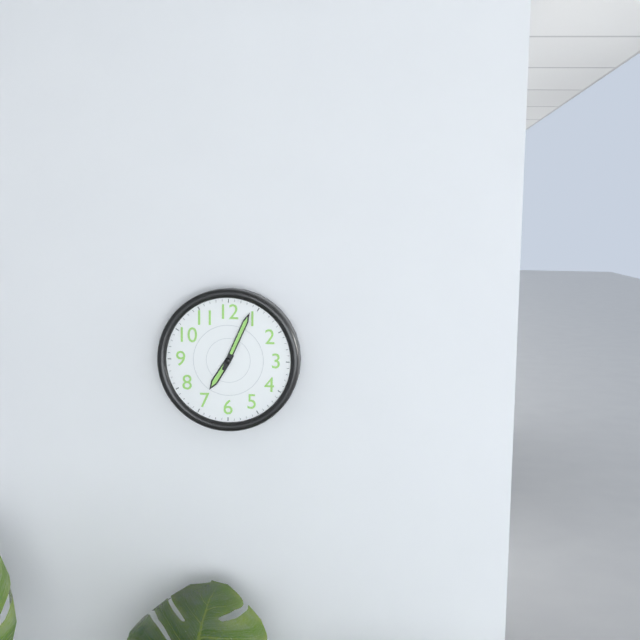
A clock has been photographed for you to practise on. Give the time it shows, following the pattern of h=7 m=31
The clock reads h=7 m=4
